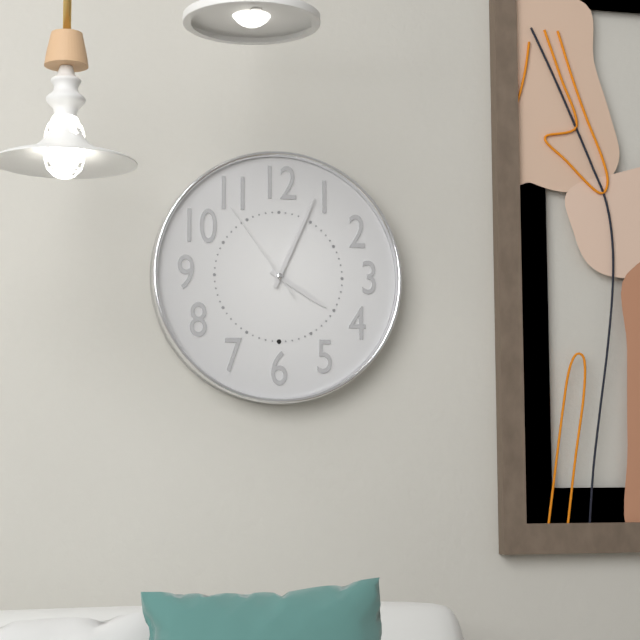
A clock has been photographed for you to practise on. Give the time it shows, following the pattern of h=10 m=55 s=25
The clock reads h=4 m=4 s=54
